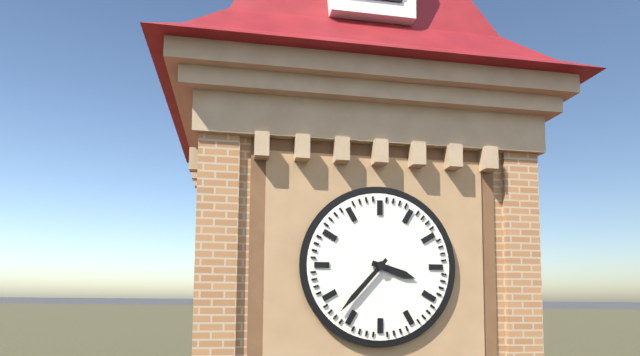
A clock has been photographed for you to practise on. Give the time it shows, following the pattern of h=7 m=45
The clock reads h=3 m=37
